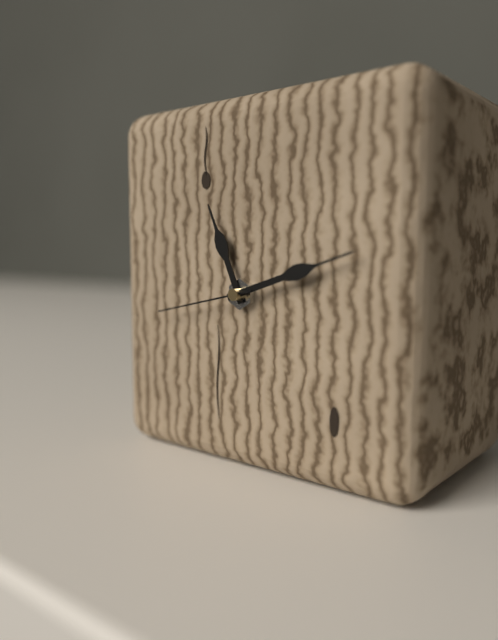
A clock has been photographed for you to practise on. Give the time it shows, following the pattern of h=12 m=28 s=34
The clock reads h=11 m=12 s=43
